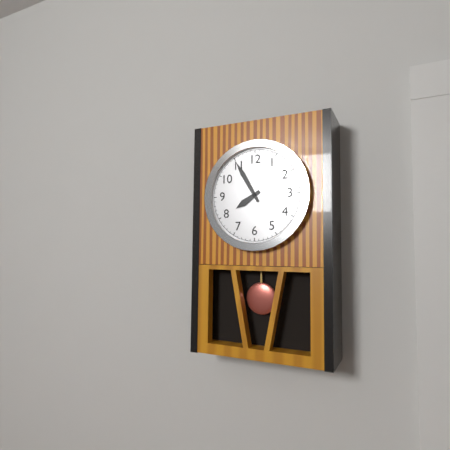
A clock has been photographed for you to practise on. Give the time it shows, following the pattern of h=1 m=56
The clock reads h=7 m=55
